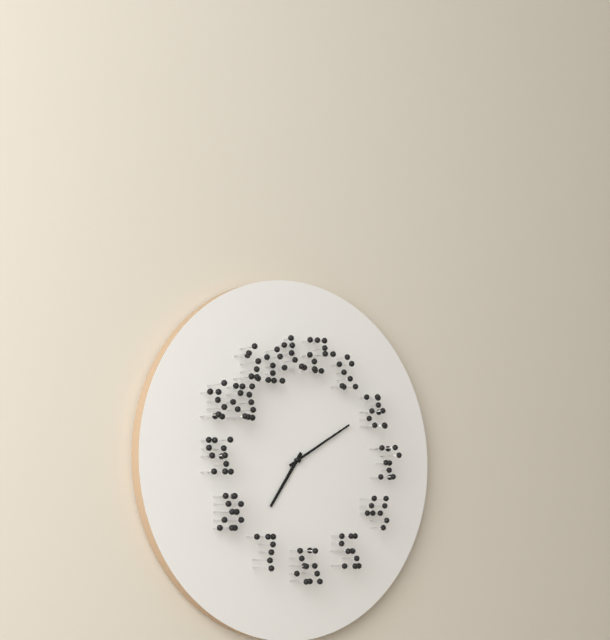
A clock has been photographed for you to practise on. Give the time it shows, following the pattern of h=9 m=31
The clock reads h=7 m=10
